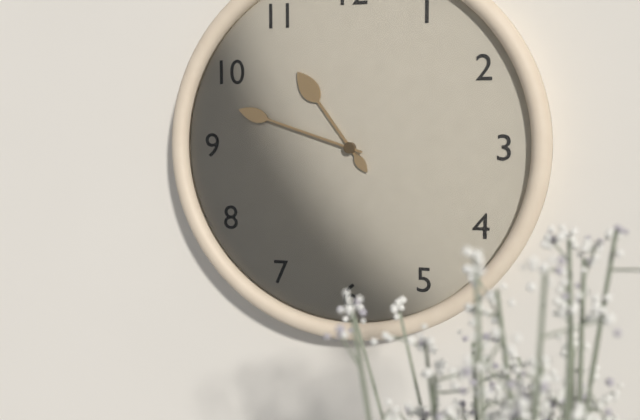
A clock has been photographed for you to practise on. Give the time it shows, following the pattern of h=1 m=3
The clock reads h=10 m=48
